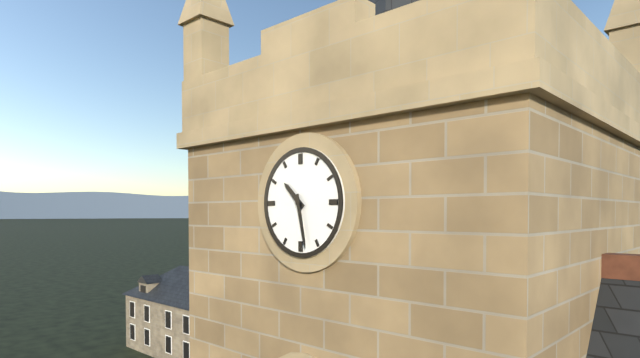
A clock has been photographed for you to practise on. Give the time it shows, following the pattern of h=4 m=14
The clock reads h=10 m=28
